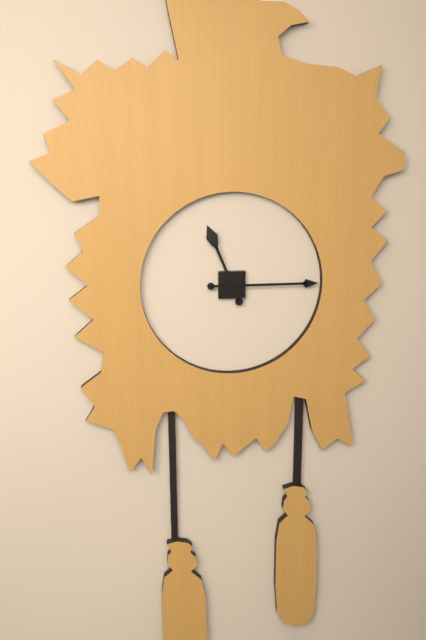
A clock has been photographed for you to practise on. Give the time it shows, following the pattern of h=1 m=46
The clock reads h=11 m=15
